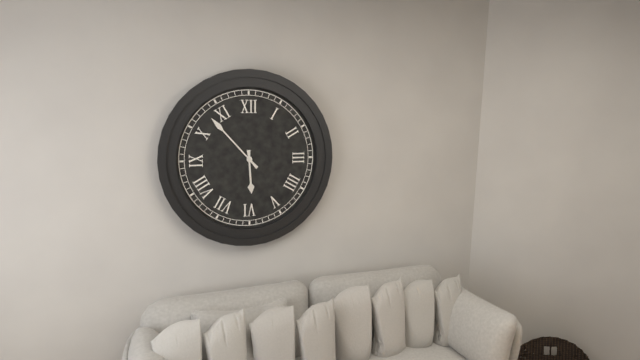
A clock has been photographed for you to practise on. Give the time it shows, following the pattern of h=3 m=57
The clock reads h=5 m=53
